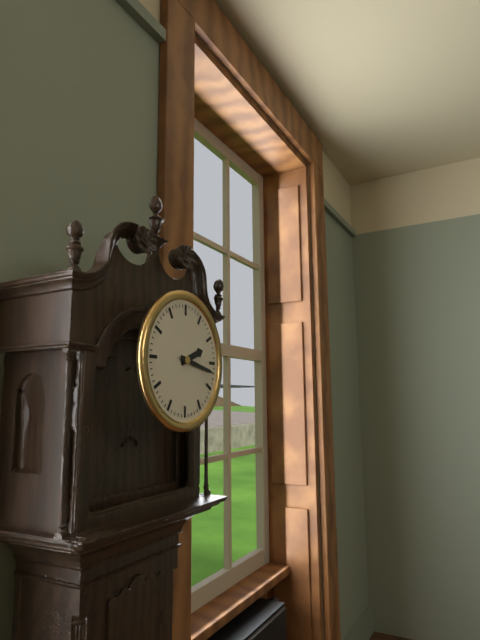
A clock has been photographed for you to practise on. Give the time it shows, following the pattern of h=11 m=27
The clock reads h=2 m=17
